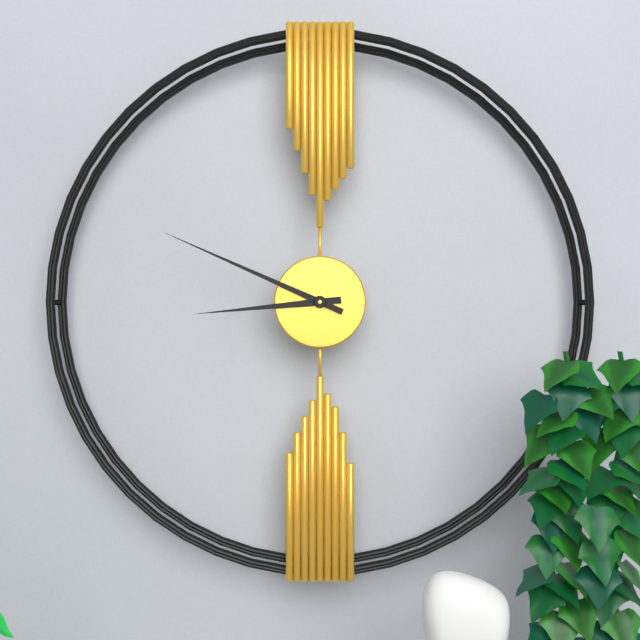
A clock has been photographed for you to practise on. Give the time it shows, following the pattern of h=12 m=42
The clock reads h=8 m=49
